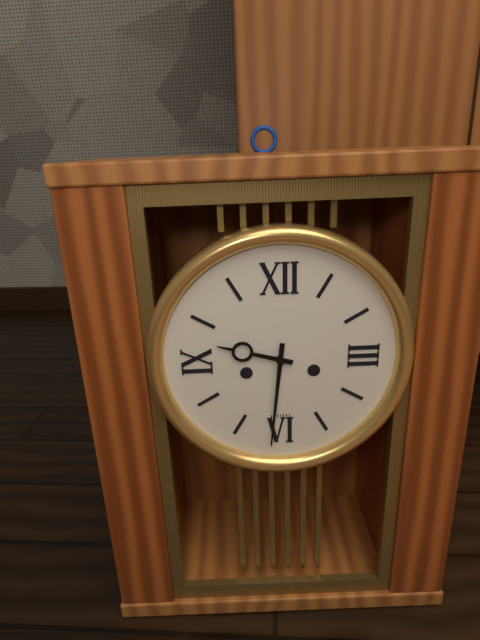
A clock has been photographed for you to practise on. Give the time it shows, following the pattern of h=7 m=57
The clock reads h=9 m=31
